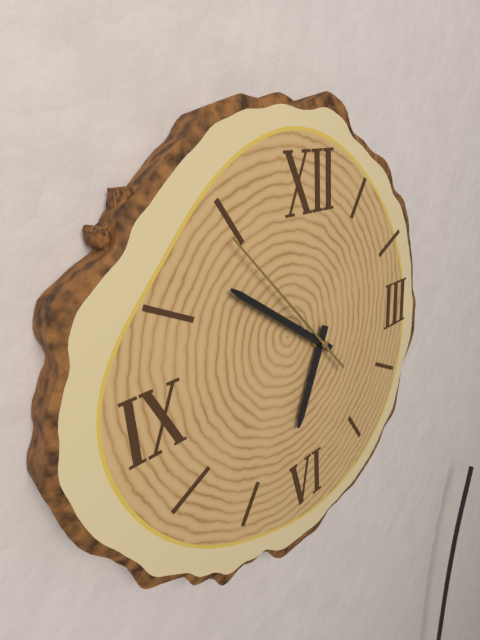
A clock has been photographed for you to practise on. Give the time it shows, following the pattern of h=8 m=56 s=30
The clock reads h=6 m=51 s=53
